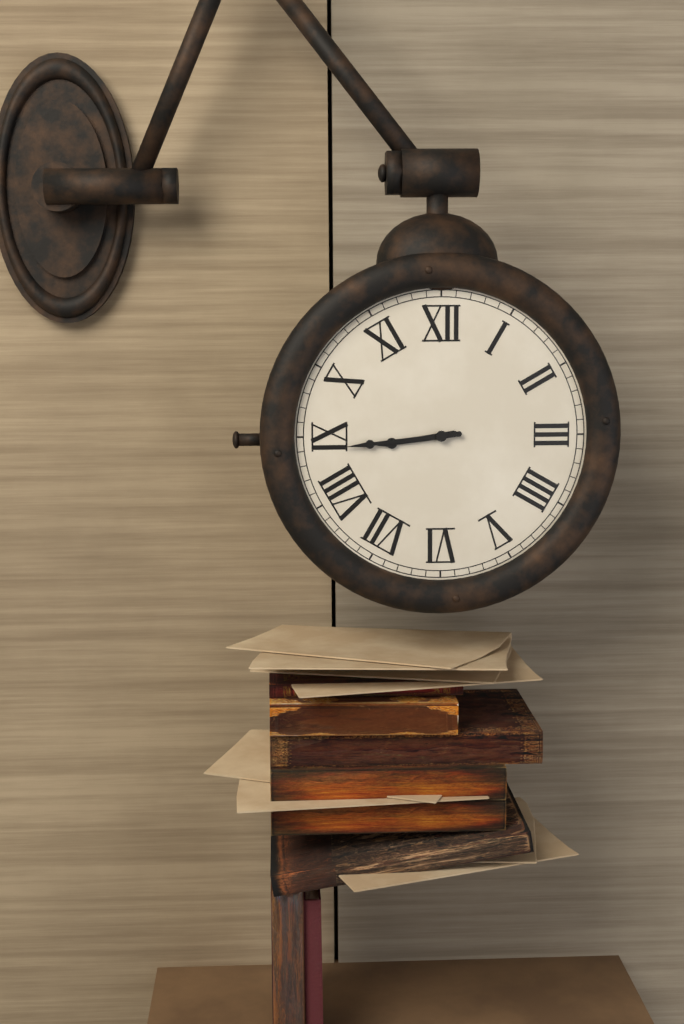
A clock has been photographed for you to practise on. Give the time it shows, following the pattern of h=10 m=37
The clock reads h=8 m=44
